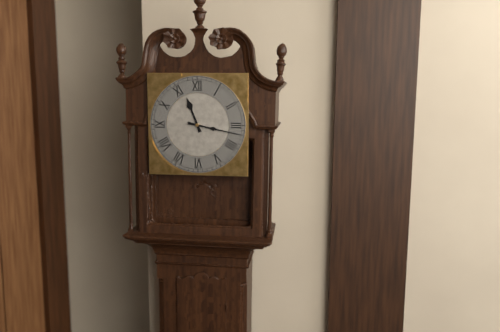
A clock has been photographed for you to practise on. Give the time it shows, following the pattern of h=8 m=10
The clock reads h=11 m=17
